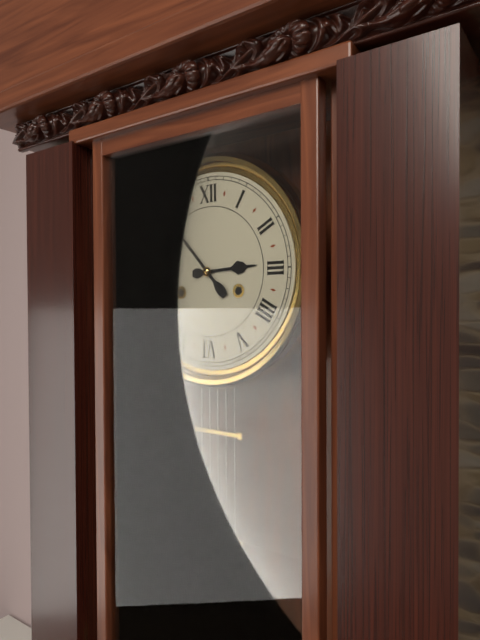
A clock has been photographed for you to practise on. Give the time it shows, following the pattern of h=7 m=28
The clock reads h=2 m=53
